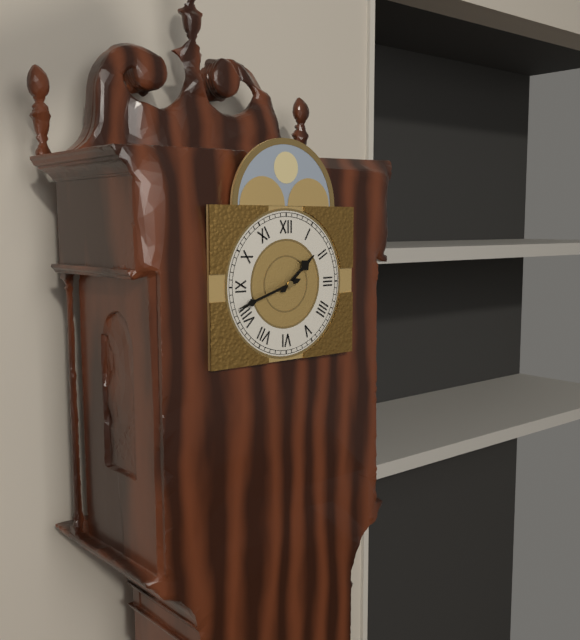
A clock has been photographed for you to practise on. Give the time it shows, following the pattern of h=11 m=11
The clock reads h=1 m=42
